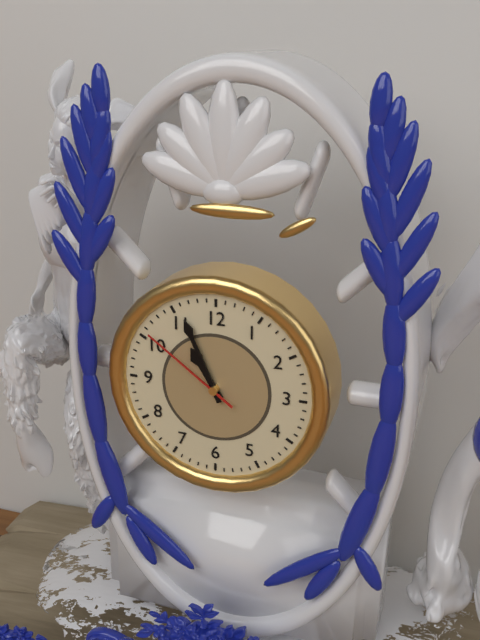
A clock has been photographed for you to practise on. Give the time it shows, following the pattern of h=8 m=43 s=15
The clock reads h=10 m=56 s=51
